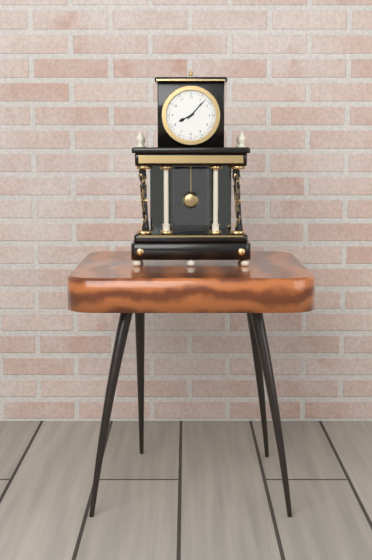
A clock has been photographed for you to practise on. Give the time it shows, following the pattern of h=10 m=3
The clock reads h=8 m=7
